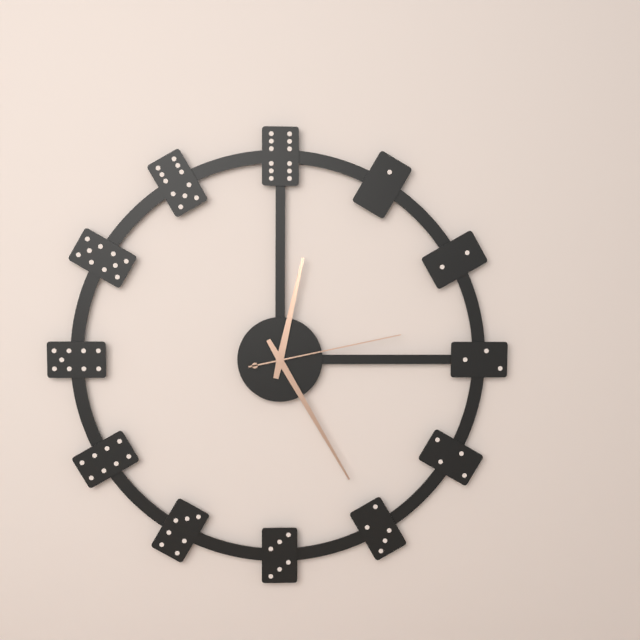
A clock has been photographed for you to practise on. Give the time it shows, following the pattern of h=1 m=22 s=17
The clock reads h=12 m=25 s=13
